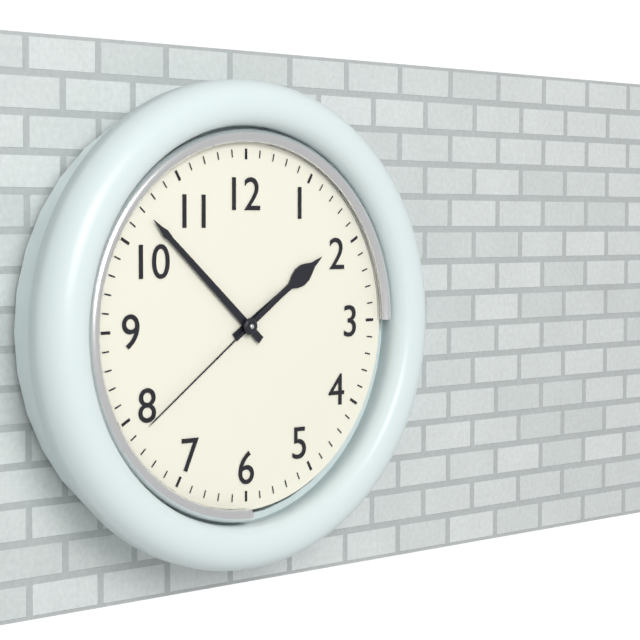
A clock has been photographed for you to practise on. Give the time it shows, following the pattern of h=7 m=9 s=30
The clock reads h=1 m=52 s=39
